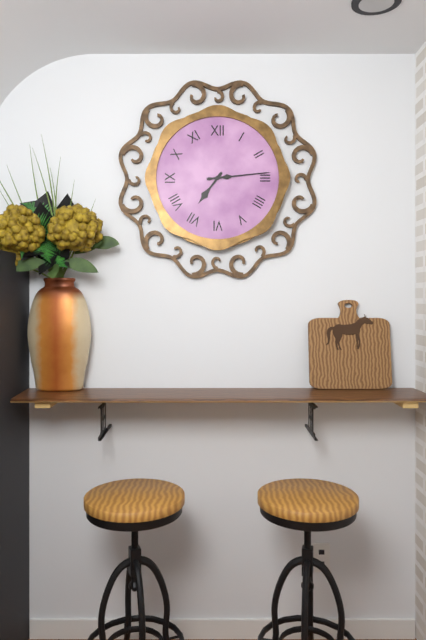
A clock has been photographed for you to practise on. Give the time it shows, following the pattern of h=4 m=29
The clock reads h=7 m=14
